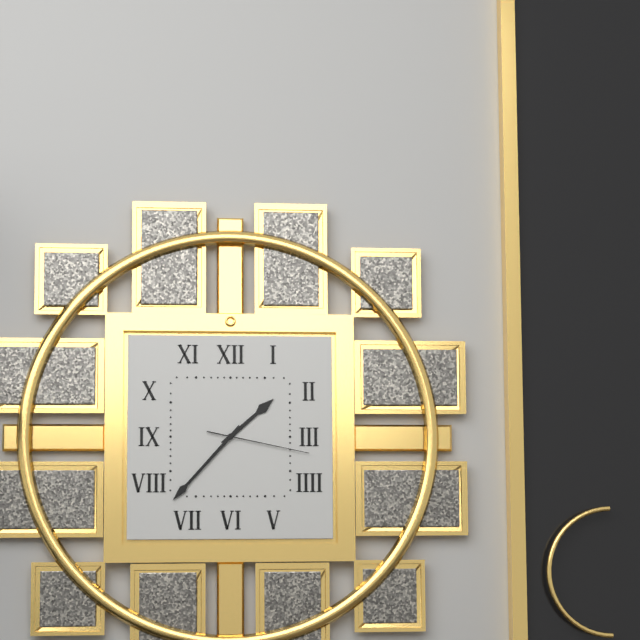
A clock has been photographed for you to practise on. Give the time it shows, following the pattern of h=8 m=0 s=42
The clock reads h=1 m=37 s=17
